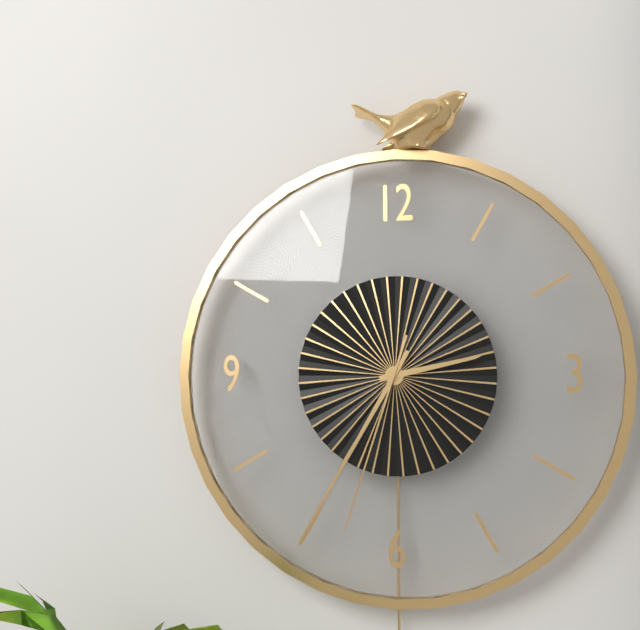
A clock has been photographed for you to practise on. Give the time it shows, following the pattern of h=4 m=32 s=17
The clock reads h=2 m=35 s=33
